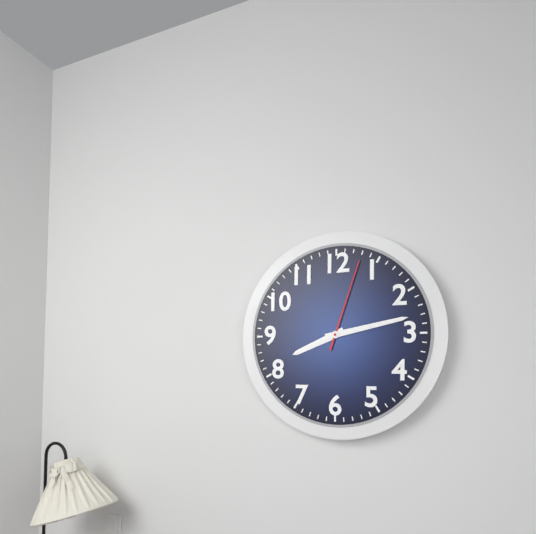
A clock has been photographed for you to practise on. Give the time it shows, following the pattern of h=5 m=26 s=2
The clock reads h=8 m=13 s=3
